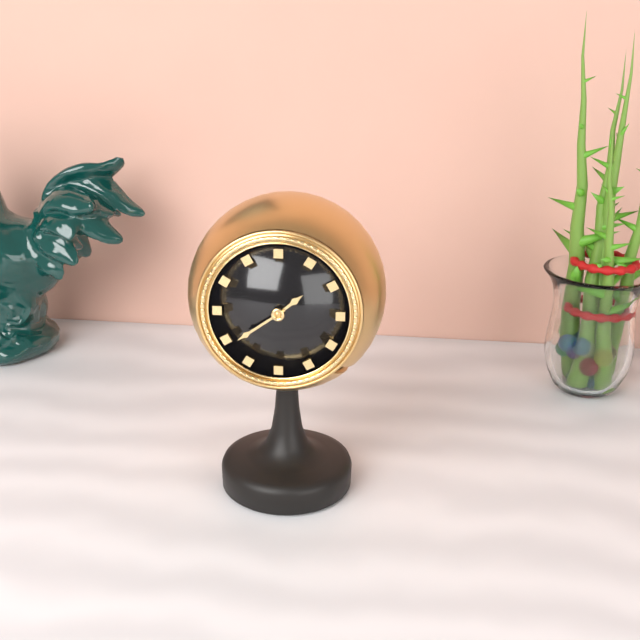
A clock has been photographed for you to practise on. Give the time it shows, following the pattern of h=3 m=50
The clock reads h=1 m=39
